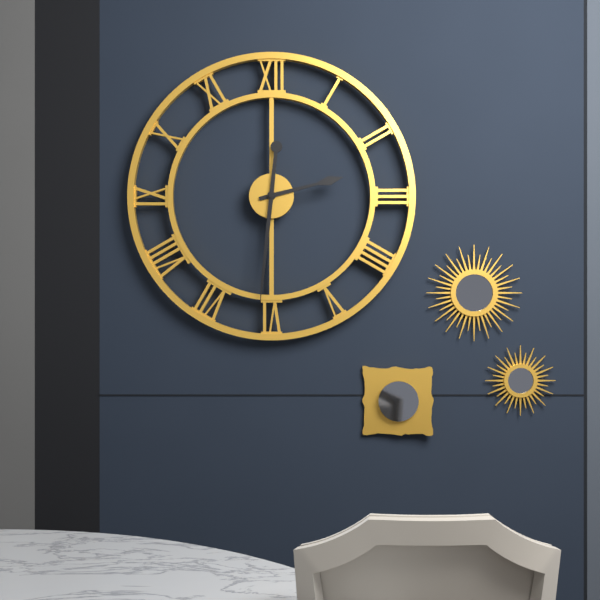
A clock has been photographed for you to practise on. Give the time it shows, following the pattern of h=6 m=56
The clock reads h=2 m=31
